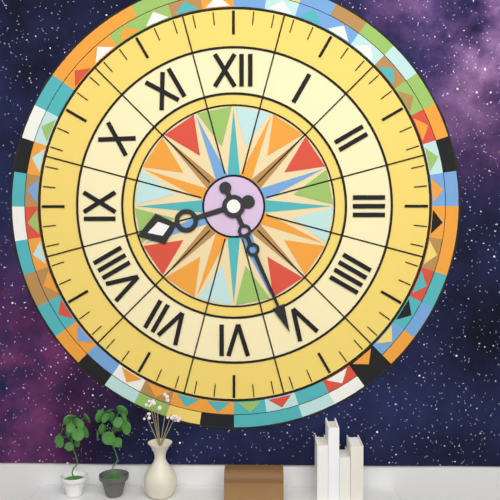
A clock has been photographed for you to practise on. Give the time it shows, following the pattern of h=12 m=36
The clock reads h=8 m=26
